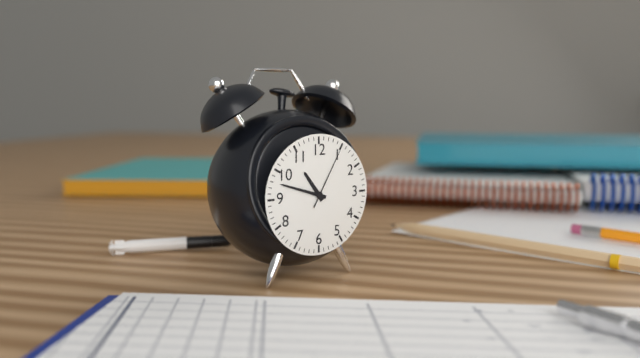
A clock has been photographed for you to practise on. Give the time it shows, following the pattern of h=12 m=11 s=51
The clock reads h=10 m=48 s=5
